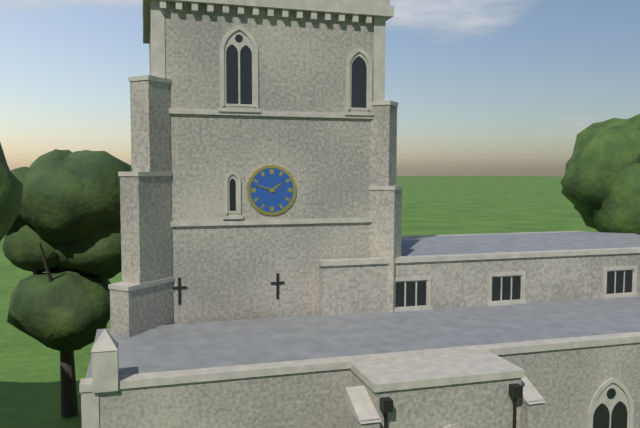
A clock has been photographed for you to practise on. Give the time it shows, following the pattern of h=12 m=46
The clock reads h=1 m=48
